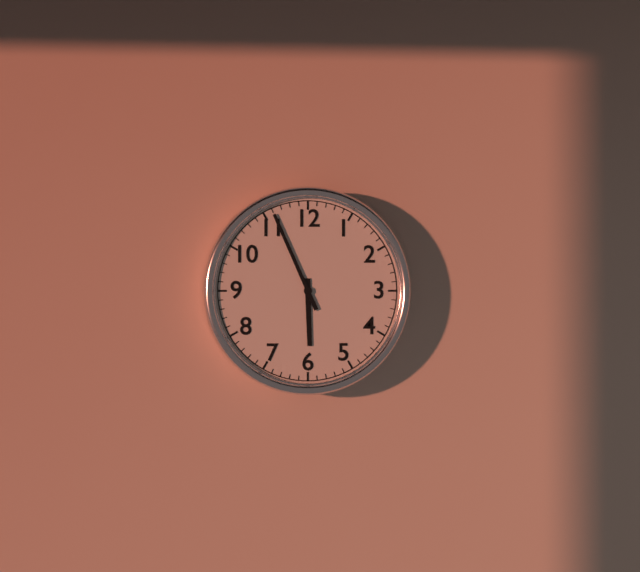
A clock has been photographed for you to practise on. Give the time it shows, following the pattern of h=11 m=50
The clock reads h=5 m=56
